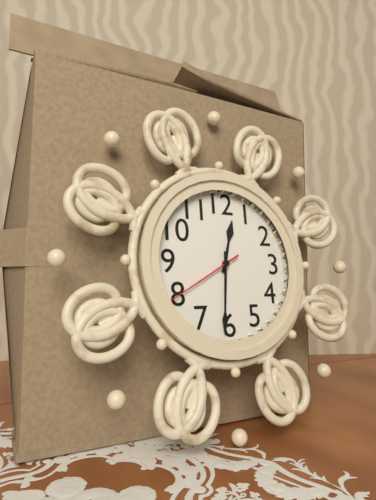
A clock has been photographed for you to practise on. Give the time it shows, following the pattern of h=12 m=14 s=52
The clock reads h=12 m=31 s=40
